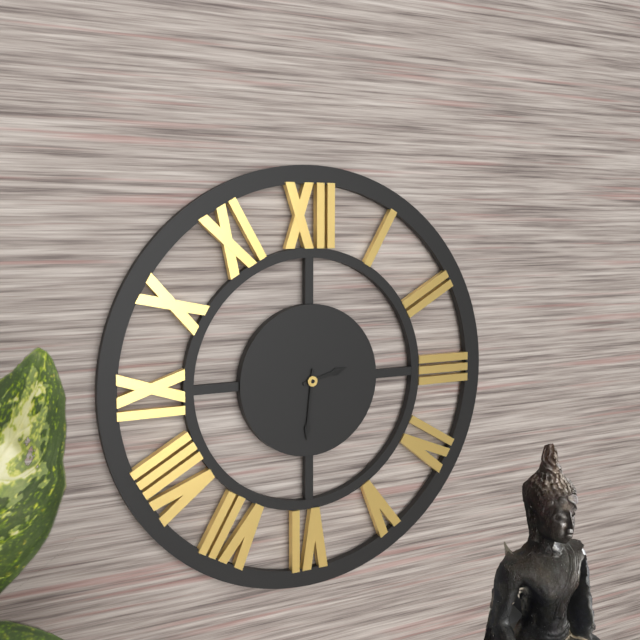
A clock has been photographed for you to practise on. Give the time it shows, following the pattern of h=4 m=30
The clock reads h=2 m=31
